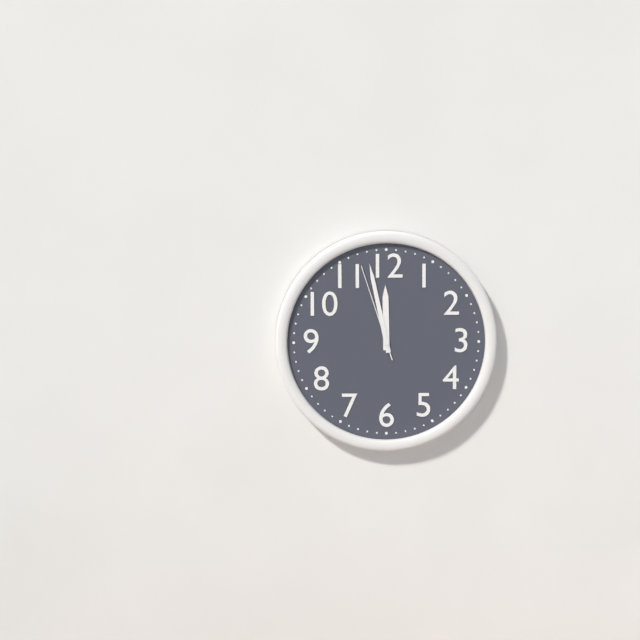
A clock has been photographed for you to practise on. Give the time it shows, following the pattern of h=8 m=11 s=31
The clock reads h=11 m=58 s=57
